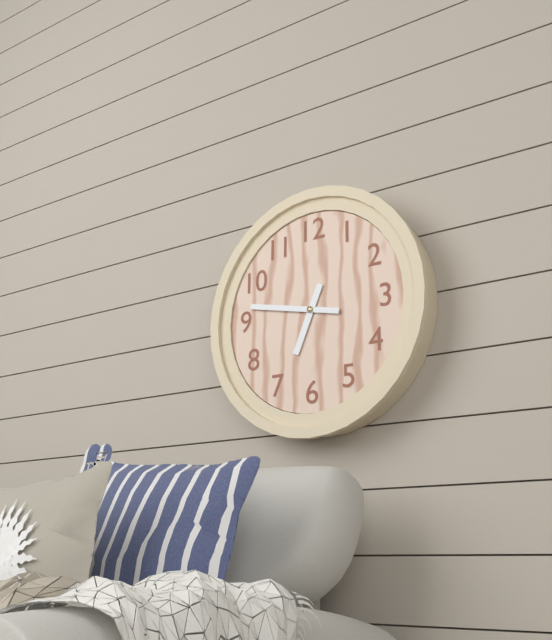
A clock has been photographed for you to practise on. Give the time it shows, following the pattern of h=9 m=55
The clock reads h=6 m=47
